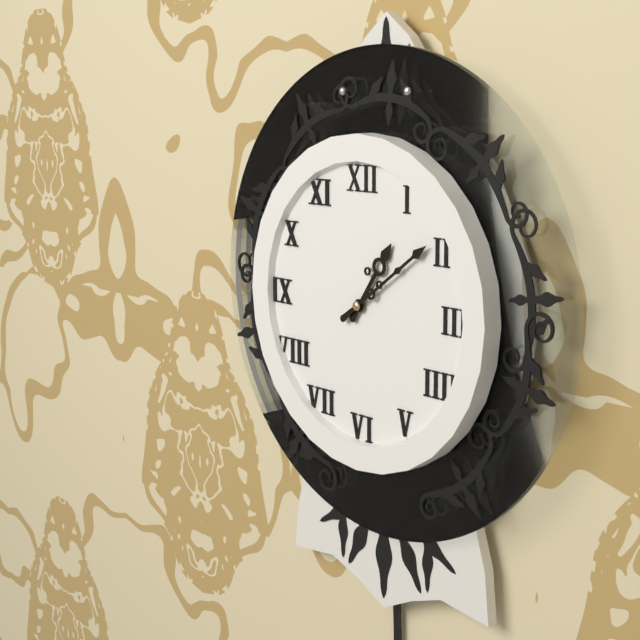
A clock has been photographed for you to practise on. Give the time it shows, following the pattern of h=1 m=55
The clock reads h=1 m=9
